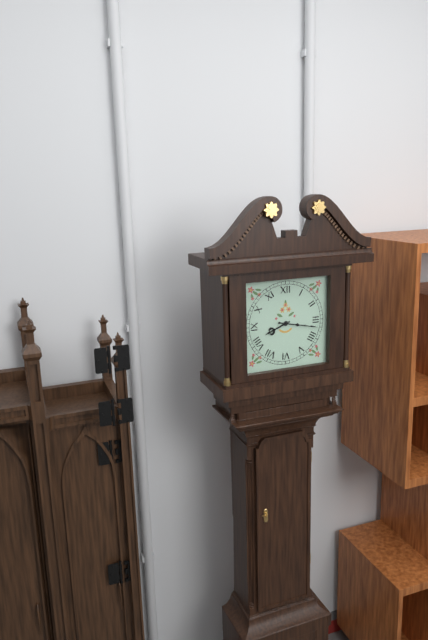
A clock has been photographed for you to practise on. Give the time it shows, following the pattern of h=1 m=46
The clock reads h=8 m=17
